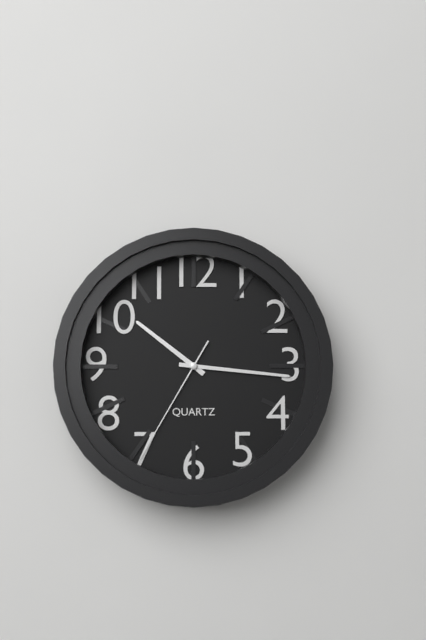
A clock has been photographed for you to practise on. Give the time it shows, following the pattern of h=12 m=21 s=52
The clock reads h=10 m=16 s=35
